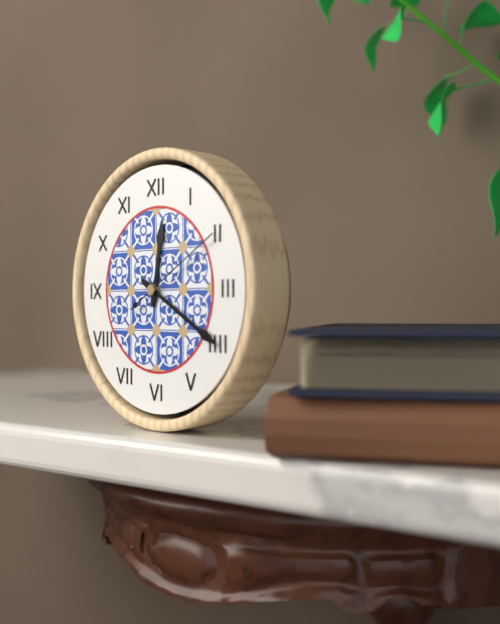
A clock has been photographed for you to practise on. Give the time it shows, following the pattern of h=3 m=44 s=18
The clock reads h=12 m=20 s=10
